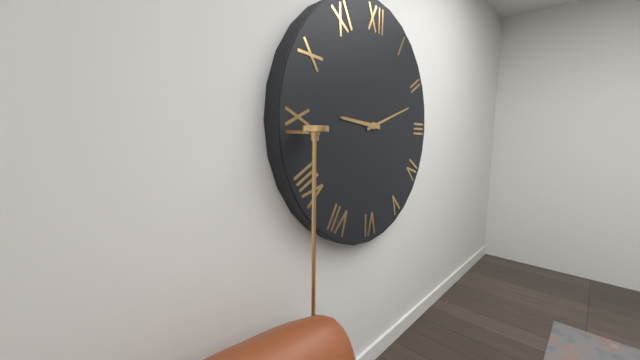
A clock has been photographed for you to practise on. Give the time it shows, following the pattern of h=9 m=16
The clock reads h=9 m=12
